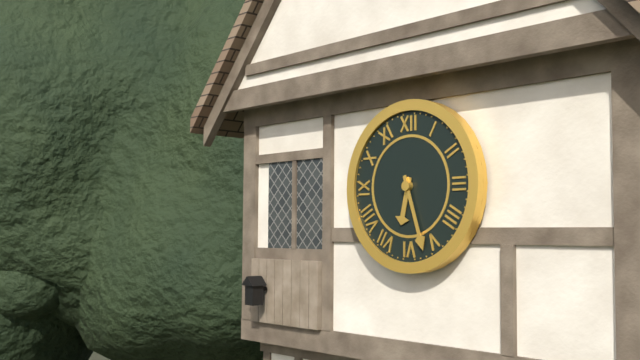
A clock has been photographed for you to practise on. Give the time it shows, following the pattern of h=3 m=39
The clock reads h=6 m=27
